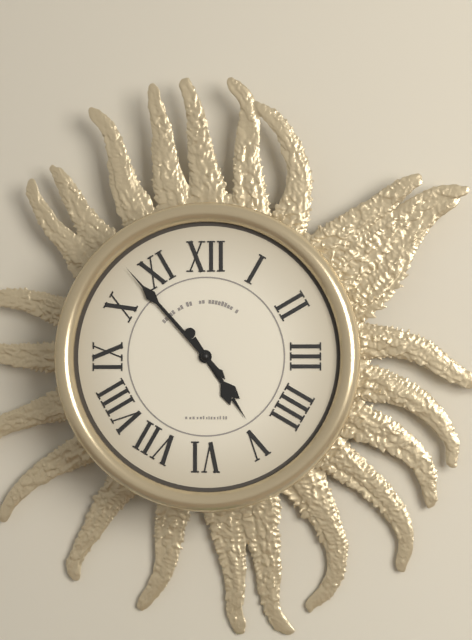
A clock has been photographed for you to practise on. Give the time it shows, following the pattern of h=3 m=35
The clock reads h=4 m=53
